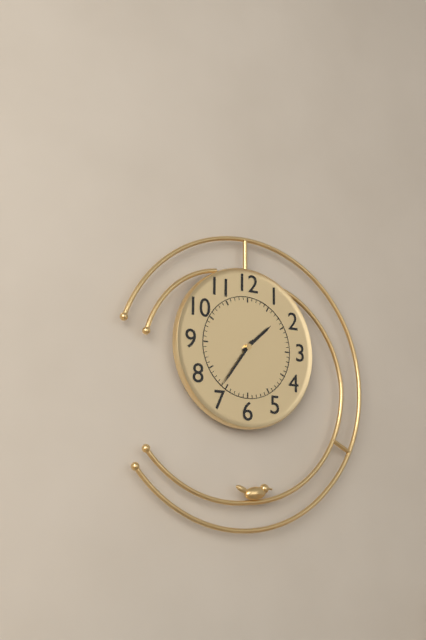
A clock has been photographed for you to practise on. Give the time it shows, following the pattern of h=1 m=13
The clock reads h=1 m=36
